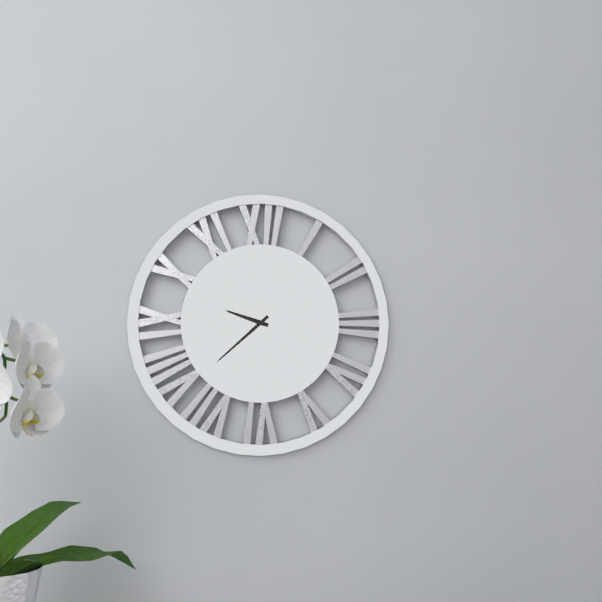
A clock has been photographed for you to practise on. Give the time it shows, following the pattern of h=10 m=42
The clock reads h=9 m=38
